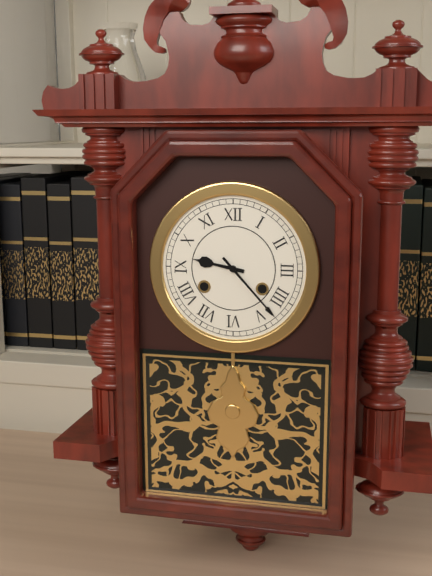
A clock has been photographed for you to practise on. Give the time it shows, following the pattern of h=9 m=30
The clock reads h=9 m=23
